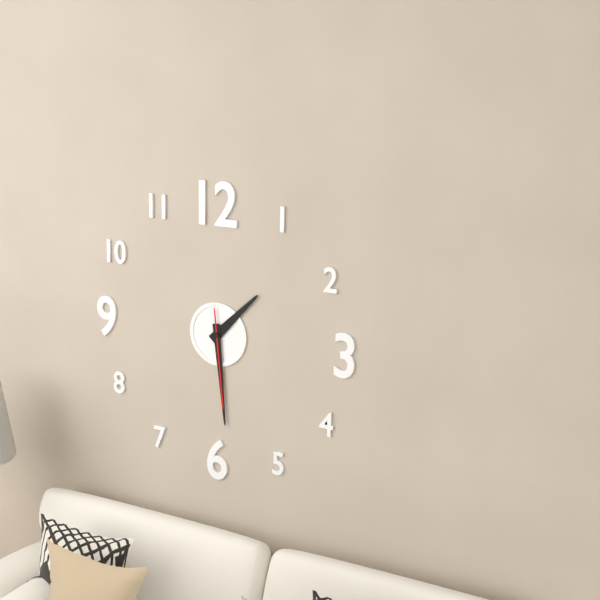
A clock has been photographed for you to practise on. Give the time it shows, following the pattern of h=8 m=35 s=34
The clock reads h=1 m=29 s=29
